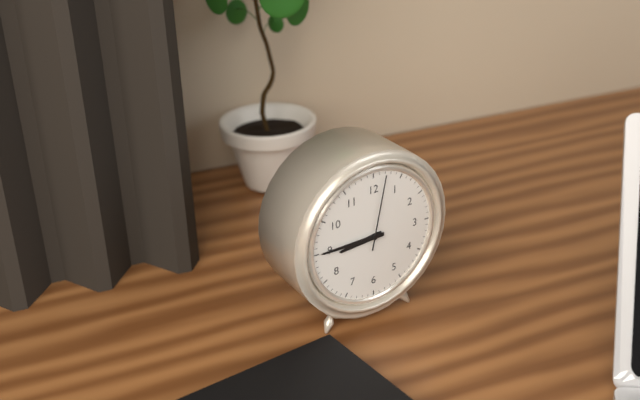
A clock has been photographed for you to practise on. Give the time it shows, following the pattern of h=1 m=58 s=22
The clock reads h=8 m=45 s=2
